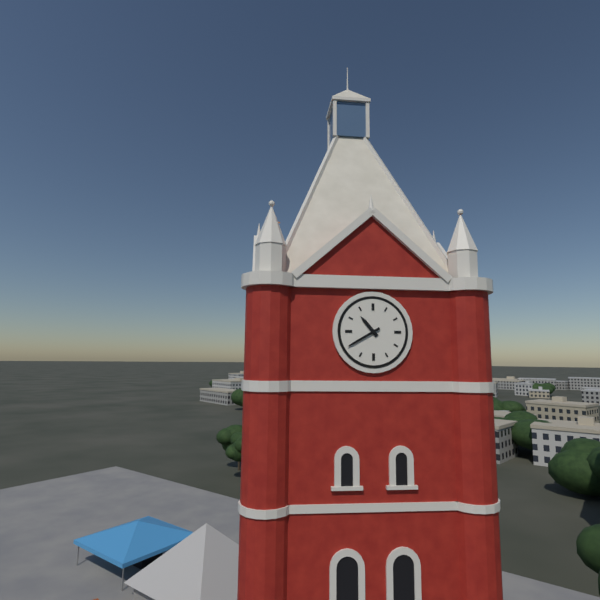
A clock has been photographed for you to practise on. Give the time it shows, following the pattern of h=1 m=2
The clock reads h=10 m=40
